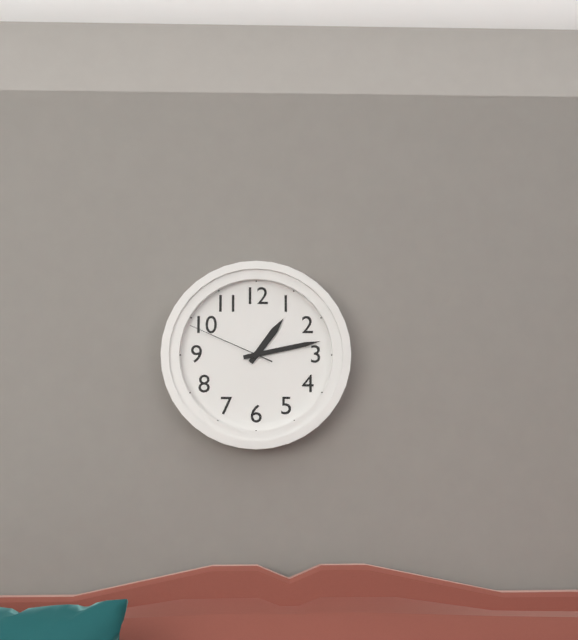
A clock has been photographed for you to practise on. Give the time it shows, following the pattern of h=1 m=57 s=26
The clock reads h=1 m=13 s=49
